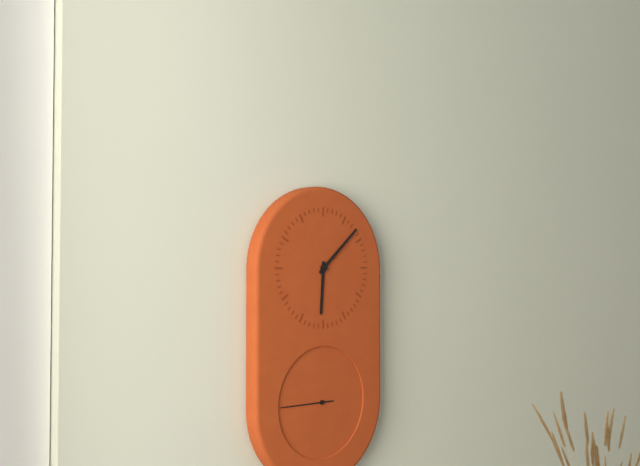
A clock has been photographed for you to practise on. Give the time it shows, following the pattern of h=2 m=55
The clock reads h=6 m=8
